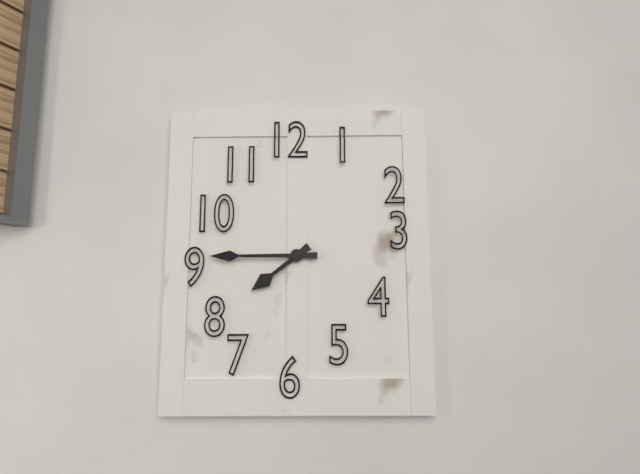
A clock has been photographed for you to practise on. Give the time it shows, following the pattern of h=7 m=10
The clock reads h=7 m=45
